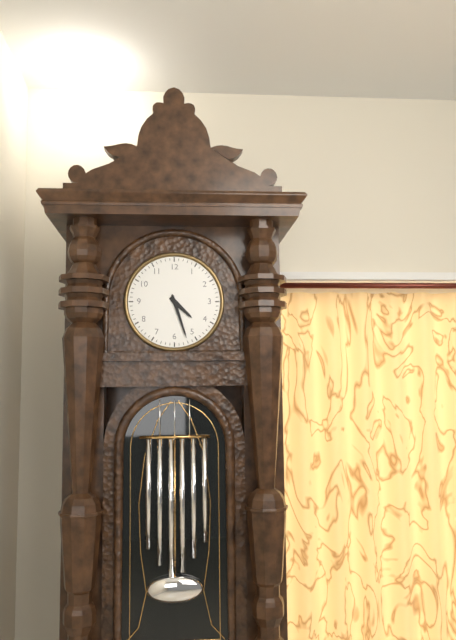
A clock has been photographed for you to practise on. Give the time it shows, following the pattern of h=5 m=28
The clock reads h=4 m=27
